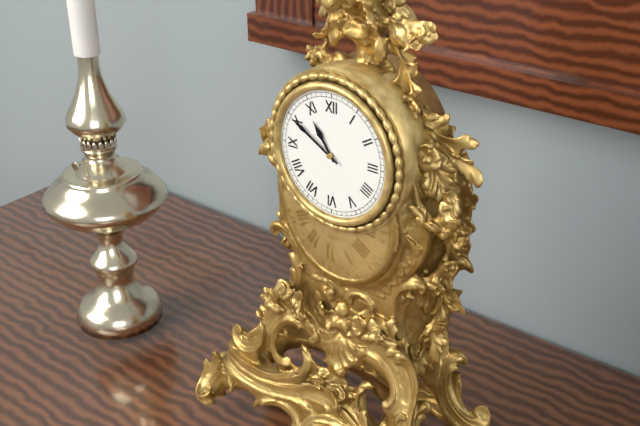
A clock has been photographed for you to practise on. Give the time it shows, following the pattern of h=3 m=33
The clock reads h=10 m=50
